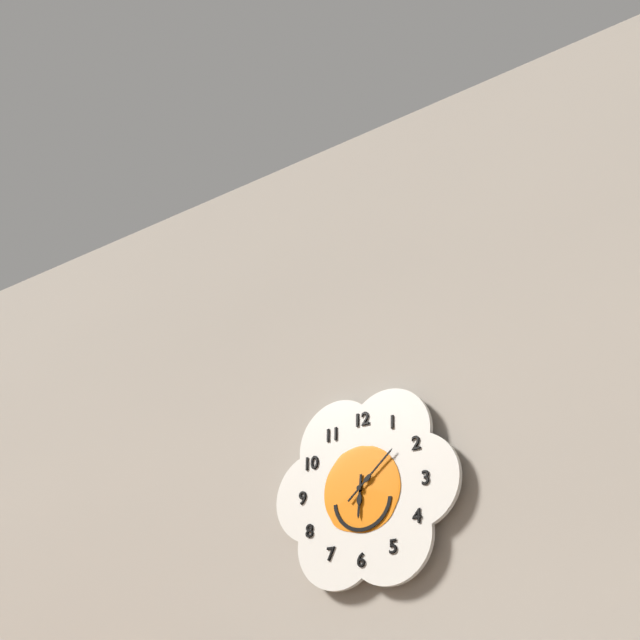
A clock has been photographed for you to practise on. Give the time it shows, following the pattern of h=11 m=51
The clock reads h=6 m=8
